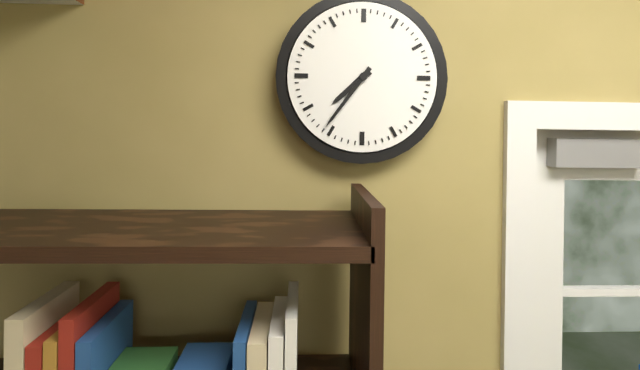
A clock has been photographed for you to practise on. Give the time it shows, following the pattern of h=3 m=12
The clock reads h=7 m=36
